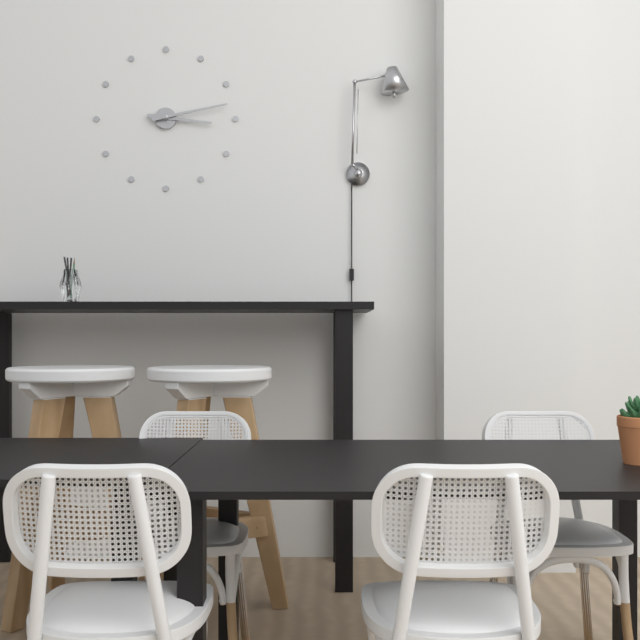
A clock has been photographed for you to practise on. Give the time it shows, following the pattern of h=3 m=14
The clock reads h=3 m=13
